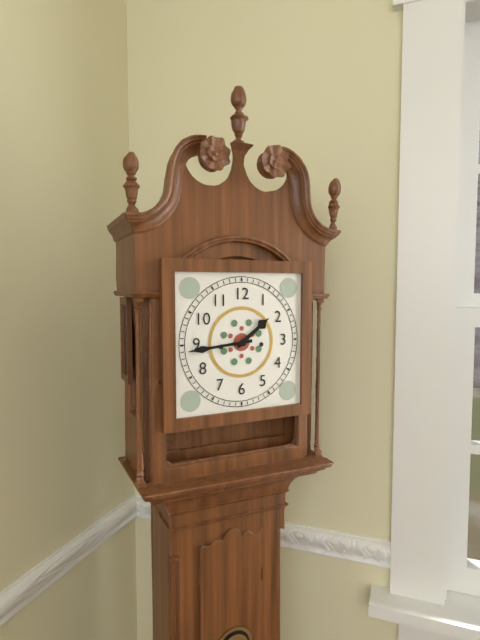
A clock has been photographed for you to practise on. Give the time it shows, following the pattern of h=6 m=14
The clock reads h=1 m=44
